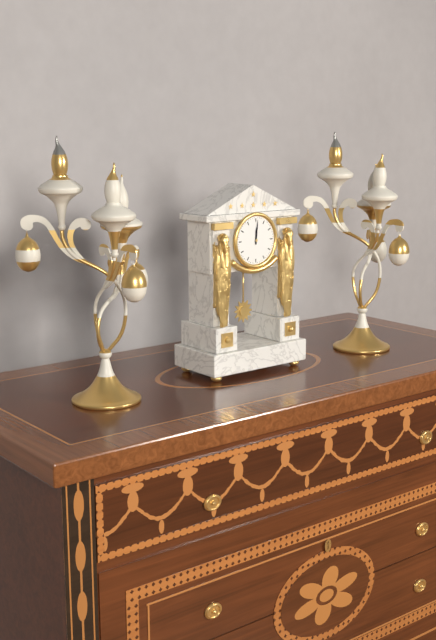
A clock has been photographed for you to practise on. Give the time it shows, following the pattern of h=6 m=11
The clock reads h=12 m=1
